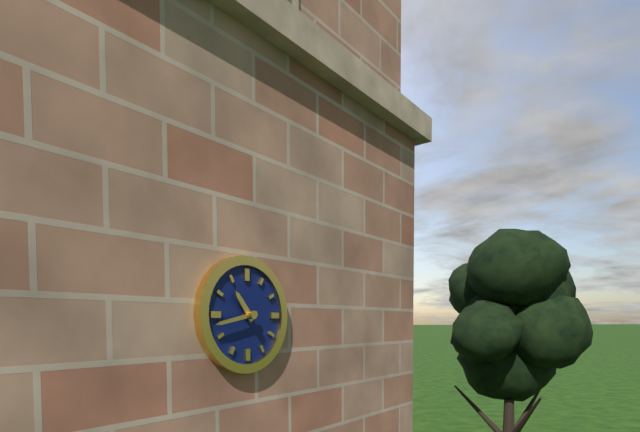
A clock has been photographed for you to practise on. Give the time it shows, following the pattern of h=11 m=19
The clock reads h=10 m=43
